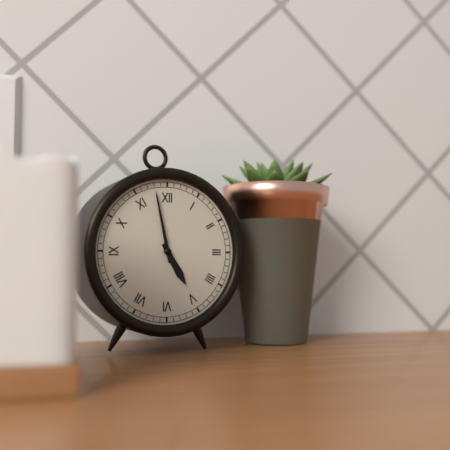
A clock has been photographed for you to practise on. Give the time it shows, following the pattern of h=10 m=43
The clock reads h=4 m=58
